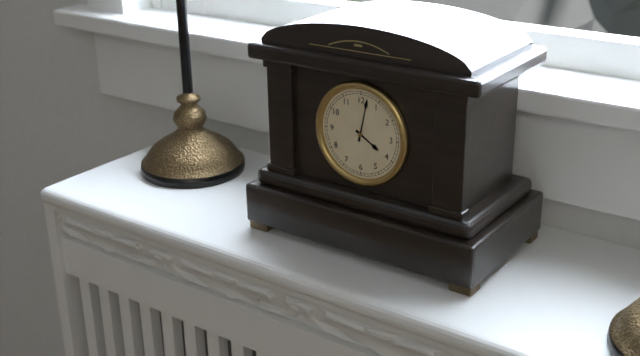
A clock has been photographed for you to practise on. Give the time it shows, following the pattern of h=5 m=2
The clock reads h=4 m=2
